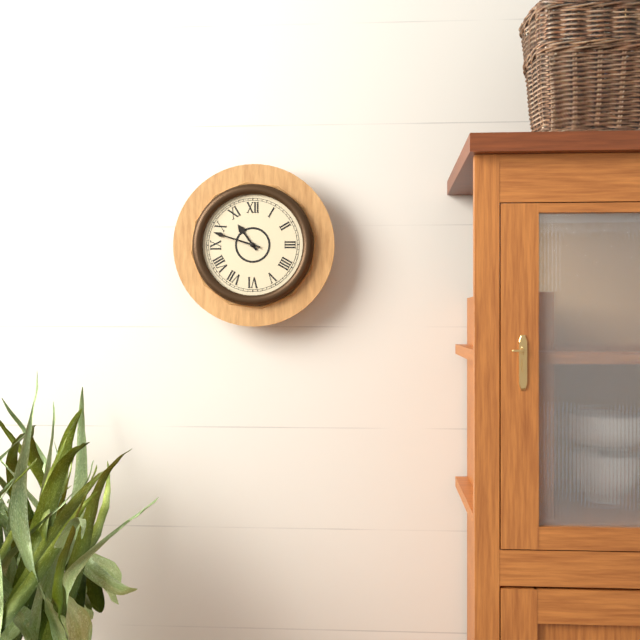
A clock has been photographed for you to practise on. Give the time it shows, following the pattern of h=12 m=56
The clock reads h=10 m=48
